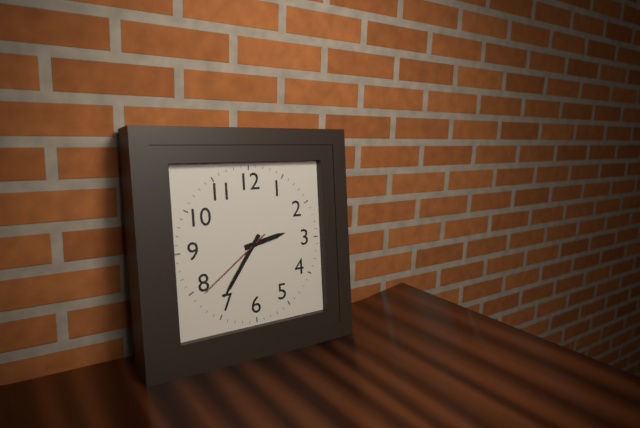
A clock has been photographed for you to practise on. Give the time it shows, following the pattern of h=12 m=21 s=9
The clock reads h=2 m=36 s=39
